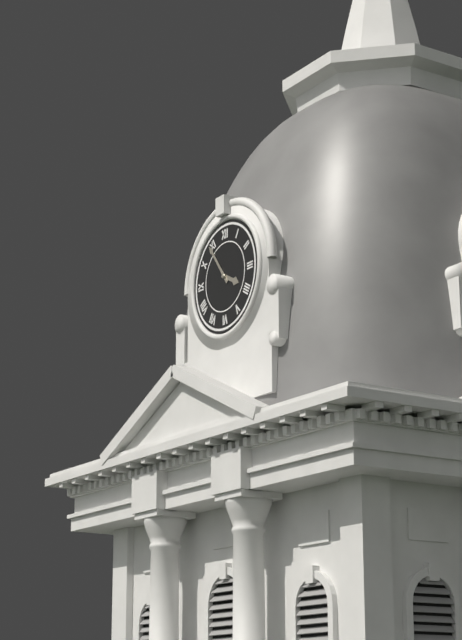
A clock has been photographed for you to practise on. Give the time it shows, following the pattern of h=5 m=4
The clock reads h=3 m=54
